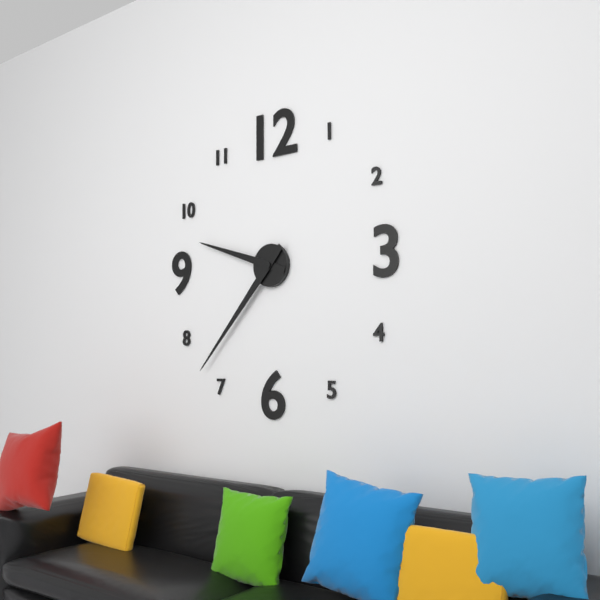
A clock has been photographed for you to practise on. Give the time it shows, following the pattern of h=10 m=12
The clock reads h=9 m=37
